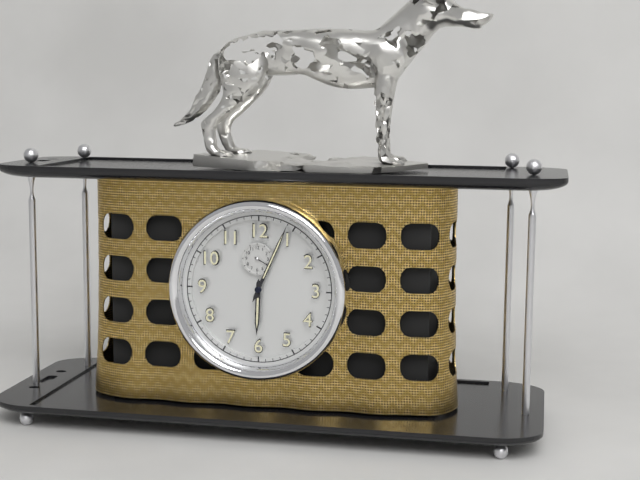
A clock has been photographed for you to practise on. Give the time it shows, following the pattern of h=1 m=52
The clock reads h=6 m=4
